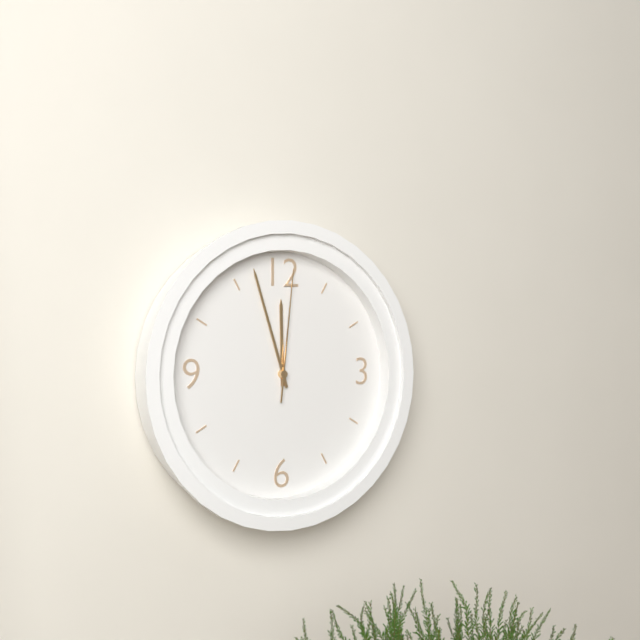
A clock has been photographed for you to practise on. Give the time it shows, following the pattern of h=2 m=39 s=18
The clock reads h=11 m=57 s=1
